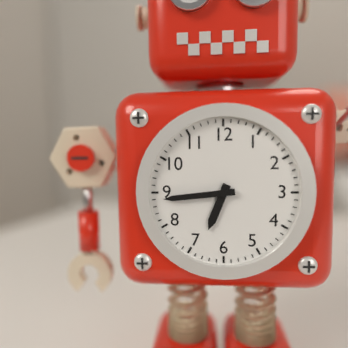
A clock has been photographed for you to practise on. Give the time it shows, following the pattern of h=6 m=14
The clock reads h=6 m=44
